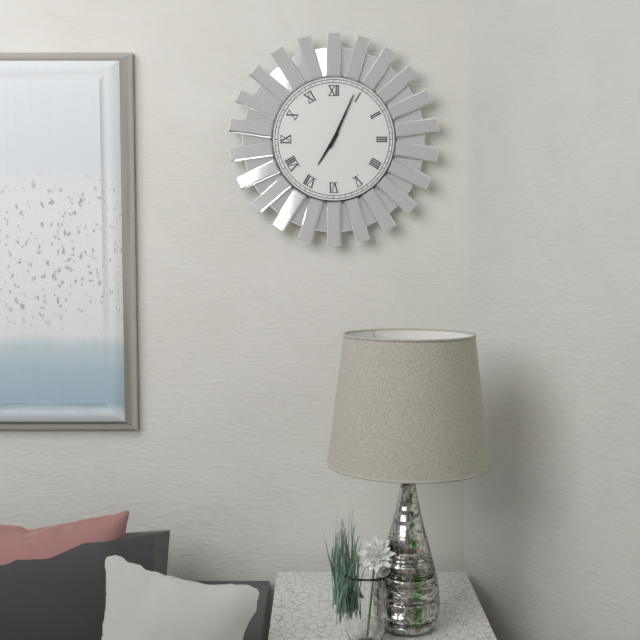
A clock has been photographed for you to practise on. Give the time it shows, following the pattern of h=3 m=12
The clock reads h=7 m=4
